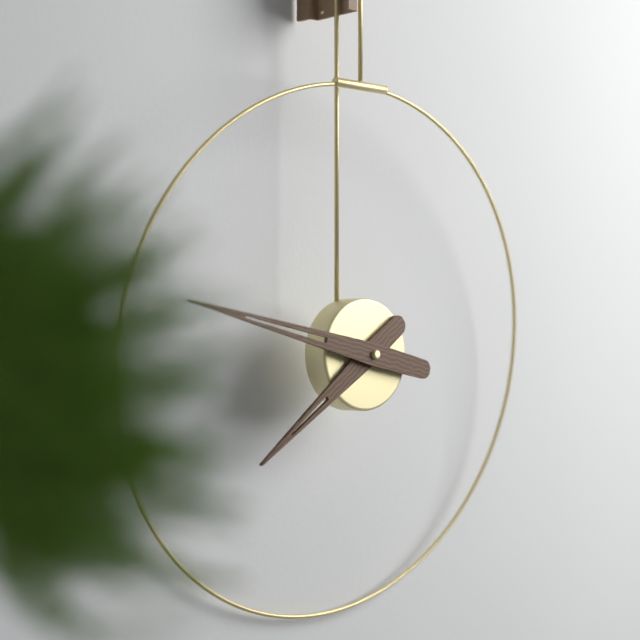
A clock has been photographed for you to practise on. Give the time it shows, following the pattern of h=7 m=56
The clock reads h=7 m=47
